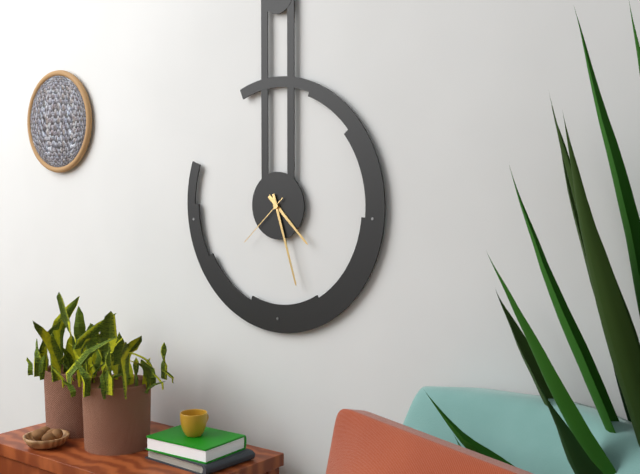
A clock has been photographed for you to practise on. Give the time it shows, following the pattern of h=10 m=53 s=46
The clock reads h=4 m=27 s=38
